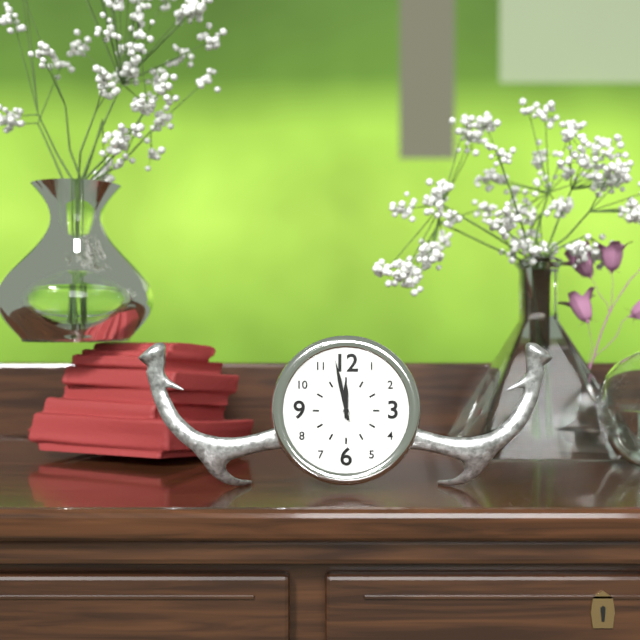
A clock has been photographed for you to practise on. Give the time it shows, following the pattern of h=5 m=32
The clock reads h=11 m=58
